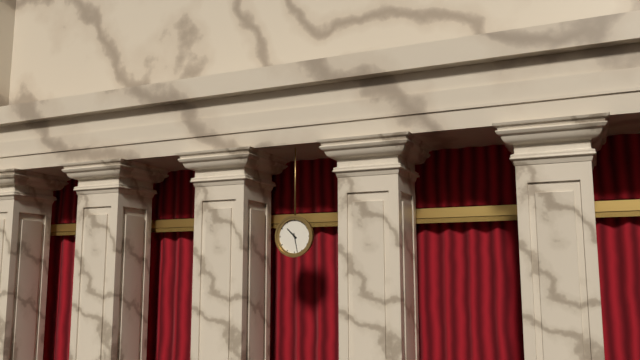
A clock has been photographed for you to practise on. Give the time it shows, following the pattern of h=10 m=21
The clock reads h=10 m=28
